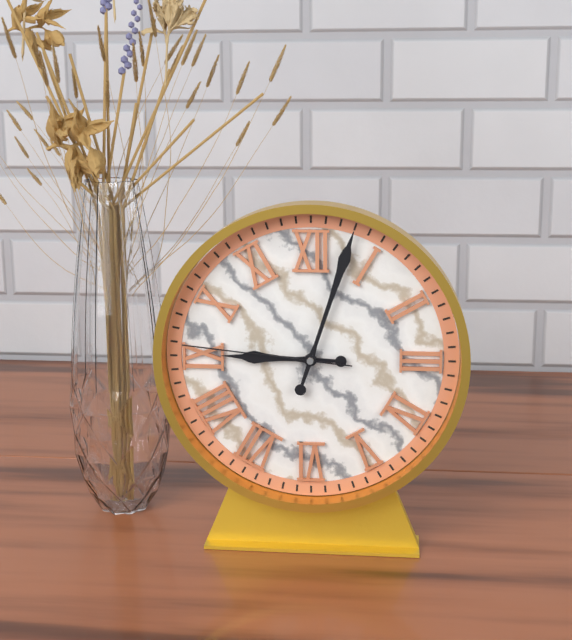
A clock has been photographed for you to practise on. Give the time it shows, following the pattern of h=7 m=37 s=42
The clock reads h=9 m=3 s=46
